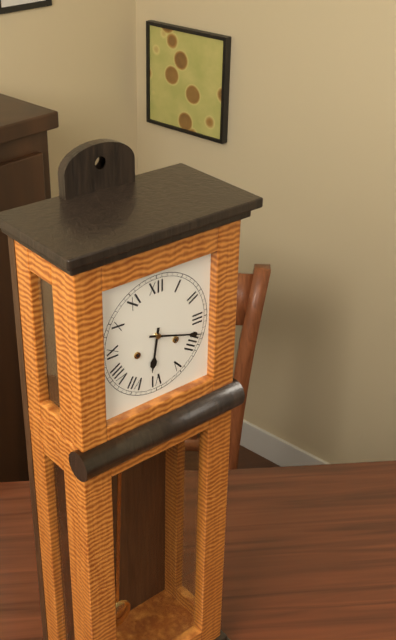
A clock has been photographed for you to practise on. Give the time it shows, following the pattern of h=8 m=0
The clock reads h=6 m=18
